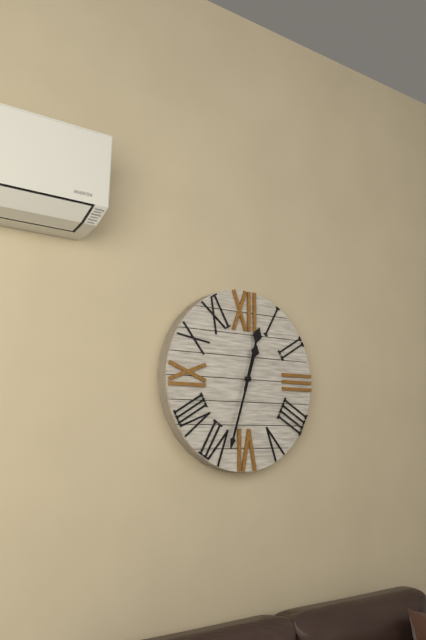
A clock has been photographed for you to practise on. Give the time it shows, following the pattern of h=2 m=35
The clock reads h=12 m=33
